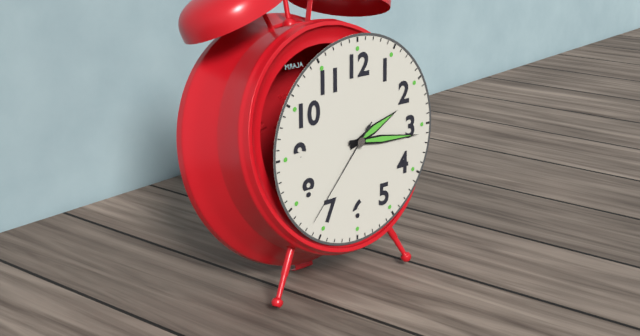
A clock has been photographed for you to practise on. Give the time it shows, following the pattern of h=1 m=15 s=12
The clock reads h=2 m=16 s=37
